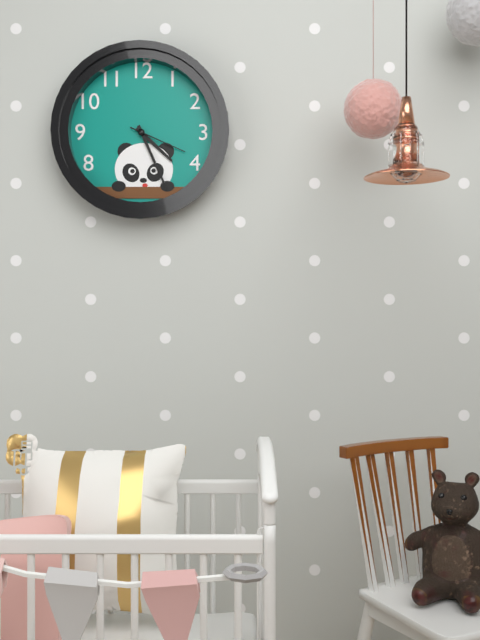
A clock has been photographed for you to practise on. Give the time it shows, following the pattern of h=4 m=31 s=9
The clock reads h=4 m=26 s=19
